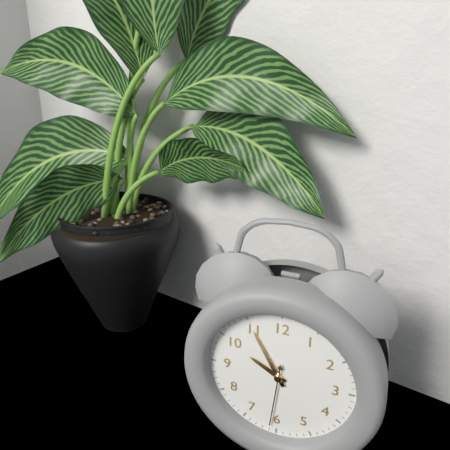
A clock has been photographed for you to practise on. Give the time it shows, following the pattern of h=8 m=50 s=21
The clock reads h=9 m=55 s=31
